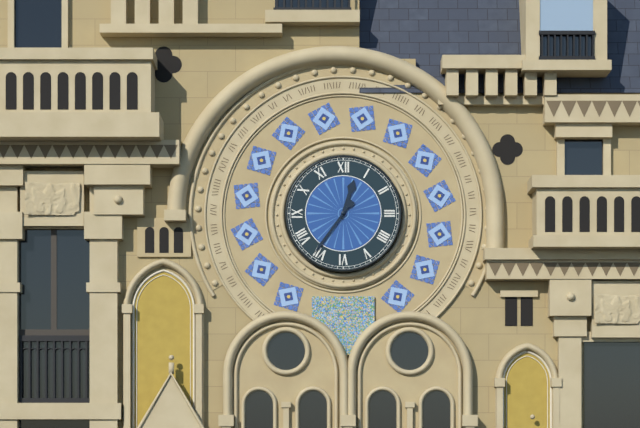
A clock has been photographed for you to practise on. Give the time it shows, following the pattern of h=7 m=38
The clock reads h=12 m=36
